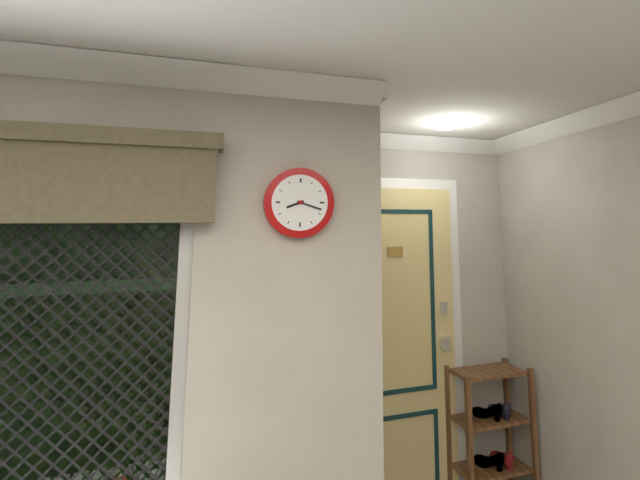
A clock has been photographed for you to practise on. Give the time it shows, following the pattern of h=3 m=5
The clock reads h=8 m=18
